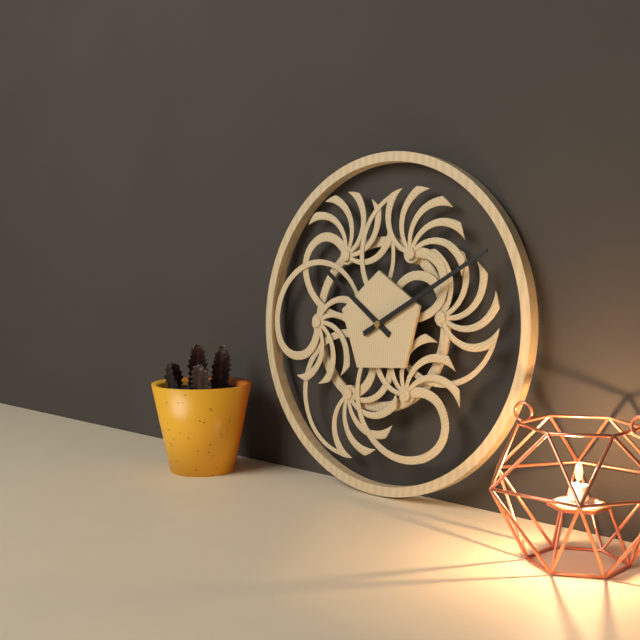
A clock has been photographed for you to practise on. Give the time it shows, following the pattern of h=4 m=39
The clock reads h=10 m=10
